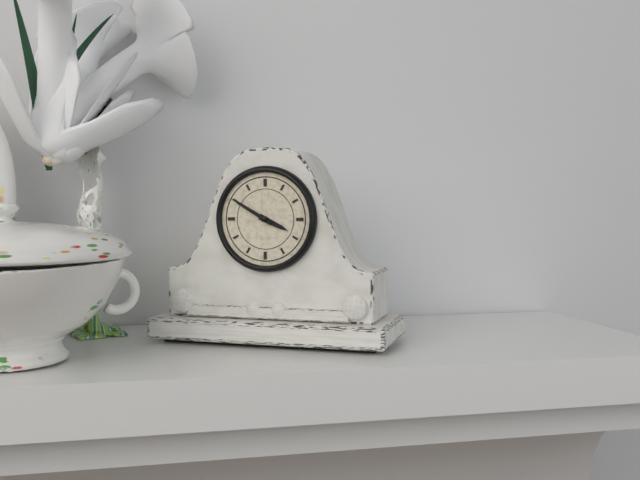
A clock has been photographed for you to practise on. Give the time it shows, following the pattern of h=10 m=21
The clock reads h=3 m=50
